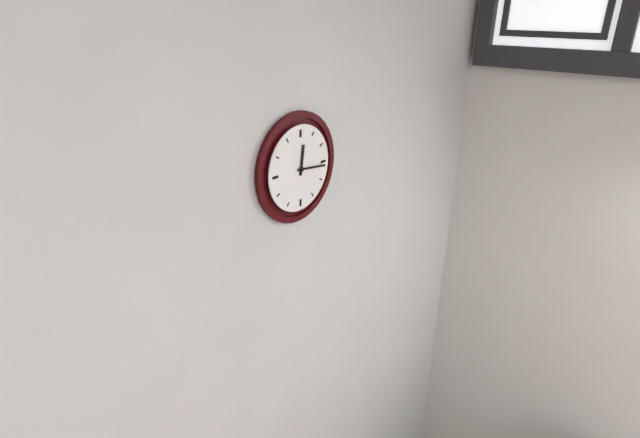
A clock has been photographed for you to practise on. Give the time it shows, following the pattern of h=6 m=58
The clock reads h=12 m=16
